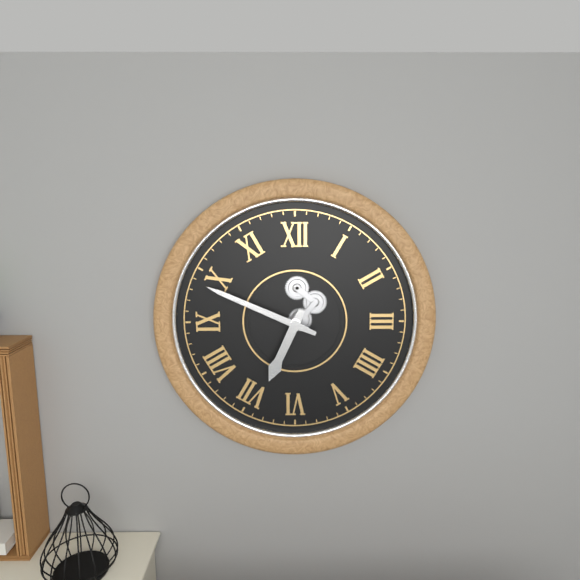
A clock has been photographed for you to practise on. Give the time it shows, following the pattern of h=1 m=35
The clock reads h=6 m=49
